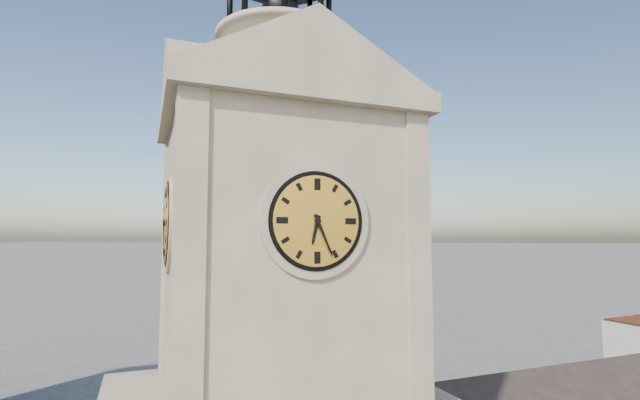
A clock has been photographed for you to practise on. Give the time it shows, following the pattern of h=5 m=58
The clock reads h=6 m=26
